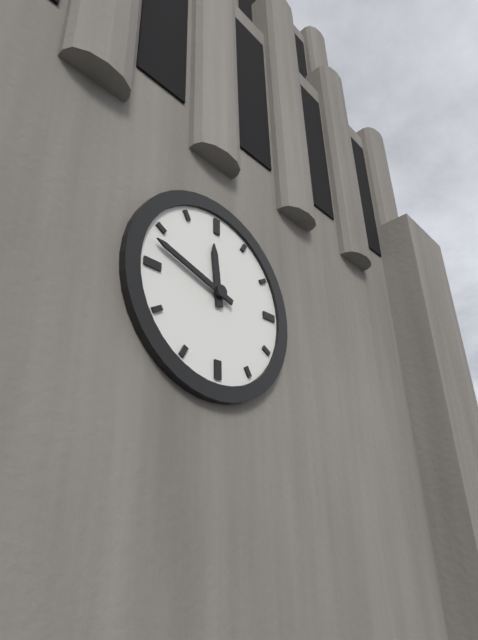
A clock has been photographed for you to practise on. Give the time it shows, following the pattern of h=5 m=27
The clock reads h=11 m=48
